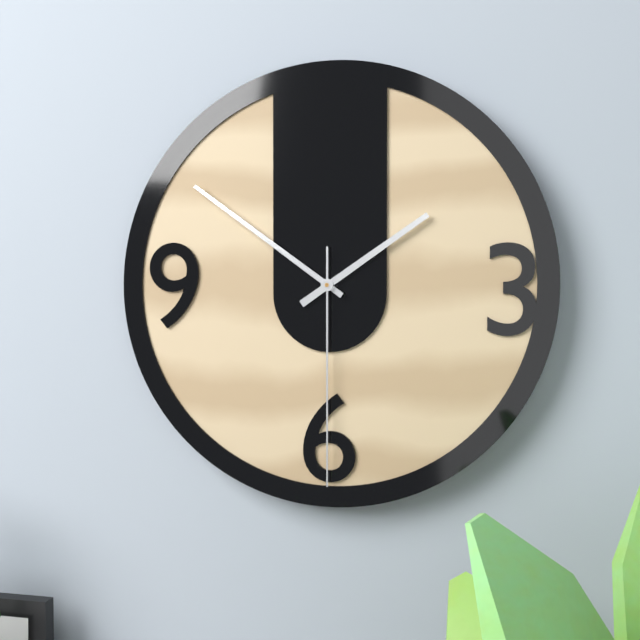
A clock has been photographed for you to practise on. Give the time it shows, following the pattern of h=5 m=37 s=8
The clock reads h=1 m=51 s=30
